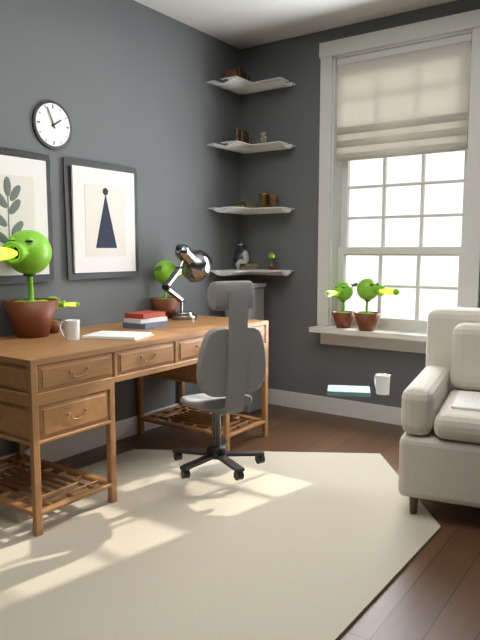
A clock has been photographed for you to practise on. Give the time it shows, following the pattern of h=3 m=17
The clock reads h=1 m=56
